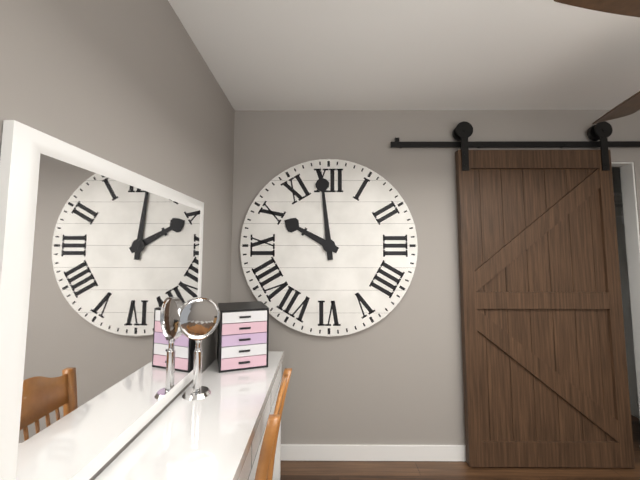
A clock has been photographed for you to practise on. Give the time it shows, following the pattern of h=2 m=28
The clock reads h=9 m=59
